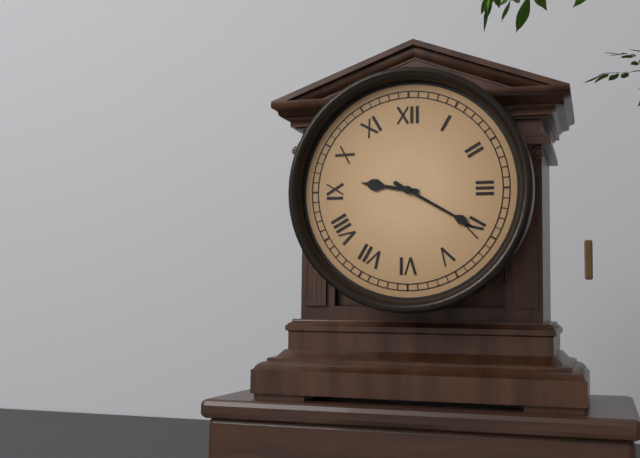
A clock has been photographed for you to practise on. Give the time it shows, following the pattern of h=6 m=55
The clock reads h=9 m=20
